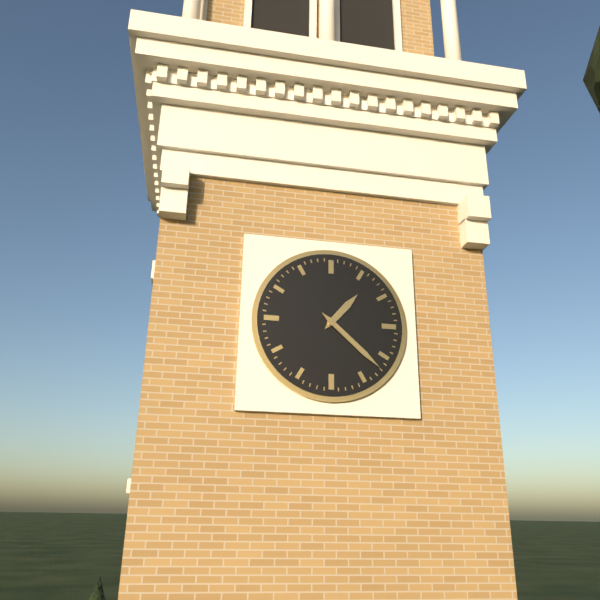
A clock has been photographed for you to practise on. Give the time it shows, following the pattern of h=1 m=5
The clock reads h=1 m=22
